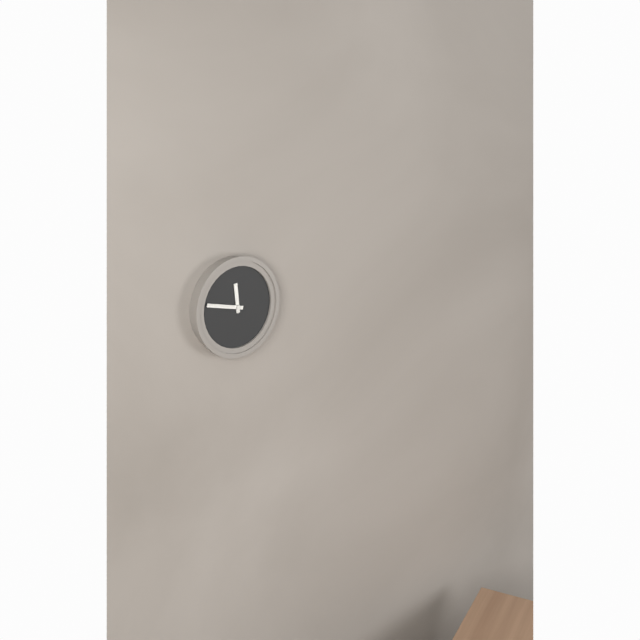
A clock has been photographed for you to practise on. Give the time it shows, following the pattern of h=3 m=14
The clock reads h=11 m=47
